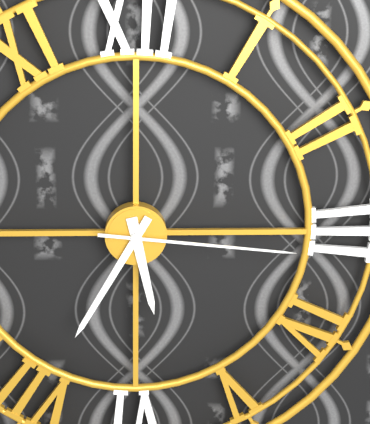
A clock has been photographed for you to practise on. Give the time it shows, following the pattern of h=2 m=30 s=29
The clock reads h=5 m=35 s=16
